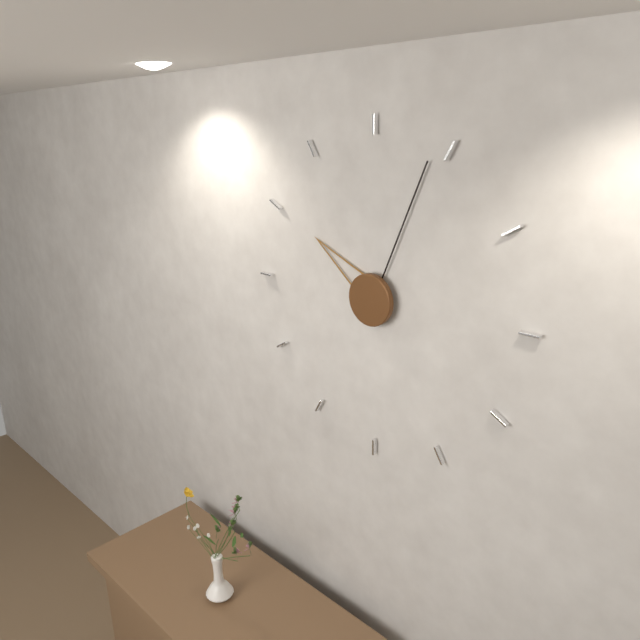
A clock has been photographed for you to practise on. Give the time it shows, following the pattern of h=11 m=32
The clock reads h=10 m=4
